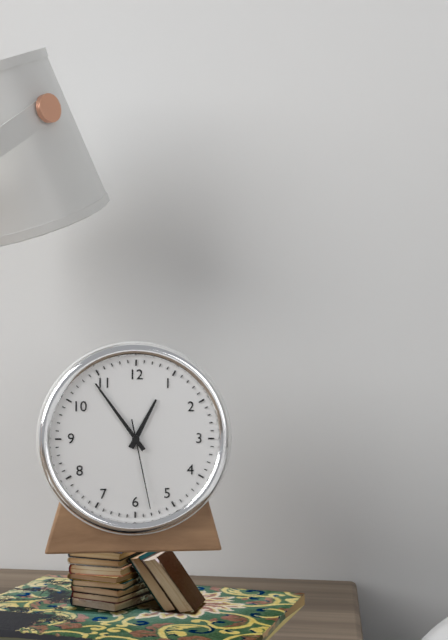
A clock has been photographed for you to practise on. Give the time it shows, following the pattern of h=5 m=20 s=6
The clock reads h=12 m=54 s=28
